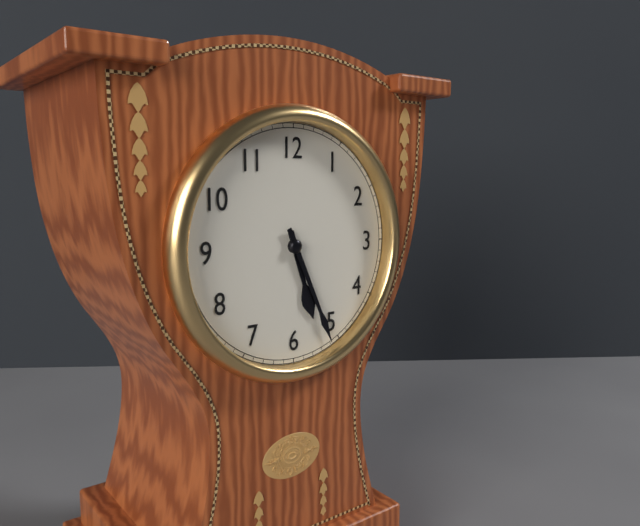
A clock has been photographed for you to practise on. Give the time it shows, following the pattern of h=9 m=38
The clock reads h=5 m=26
